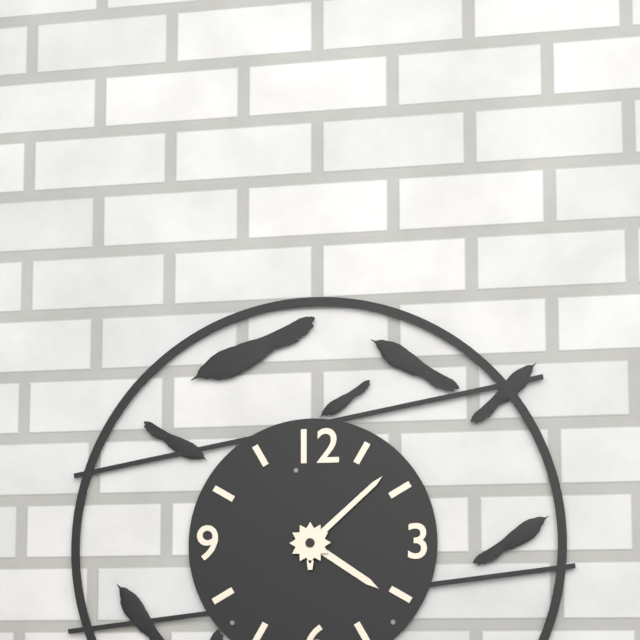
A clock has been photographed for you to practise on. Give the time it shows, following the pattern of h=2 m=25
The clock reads h=4 m=8
